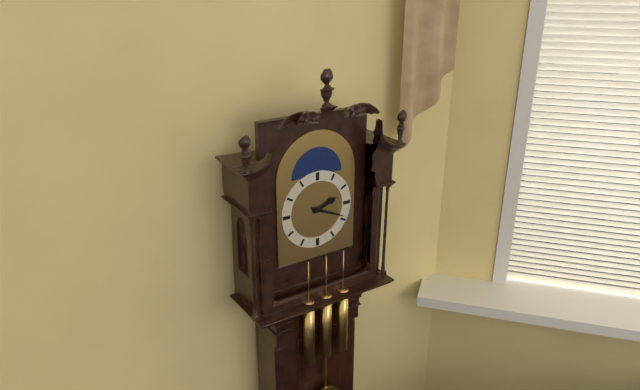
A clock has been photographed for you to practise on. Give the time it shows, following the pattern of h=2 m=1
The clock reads h=2 m=19
